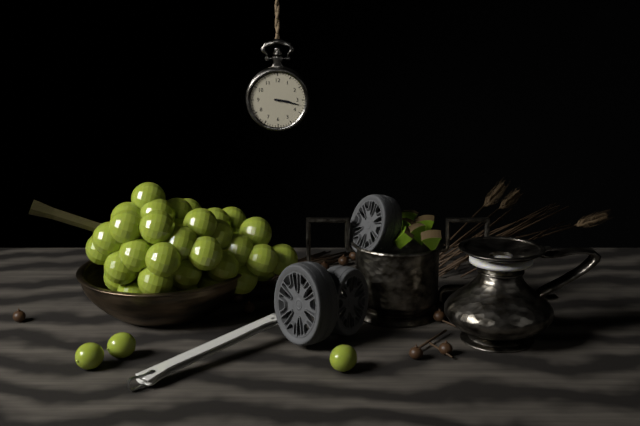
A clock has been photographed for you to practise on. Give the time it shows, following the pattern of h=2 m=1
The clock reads h=3 m=17
